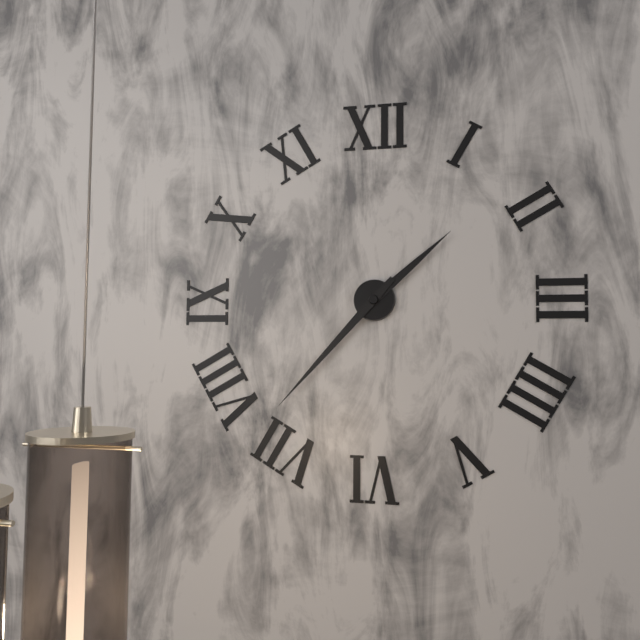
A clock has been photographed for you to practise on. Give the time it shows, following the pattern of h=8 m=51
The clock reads h=1 m=37
